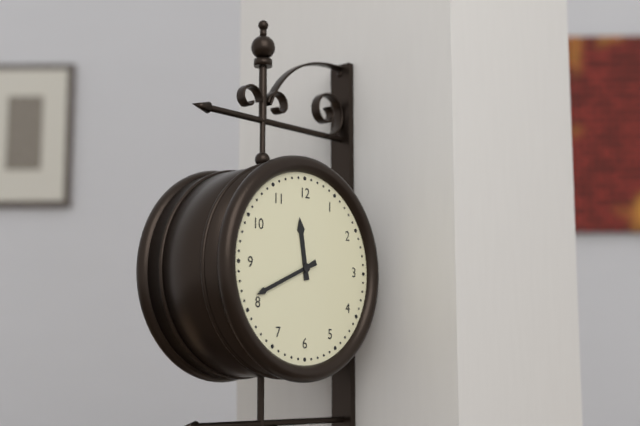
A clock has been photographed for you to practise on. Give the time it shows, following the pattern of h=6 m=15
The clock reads h=11 m=41
